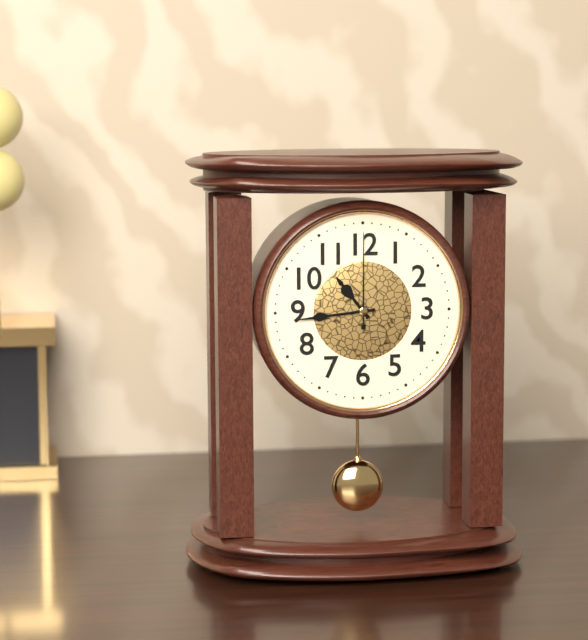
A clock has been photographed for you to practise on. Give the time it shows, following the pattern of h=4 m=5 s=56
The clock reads h=10 m=44 s=0
